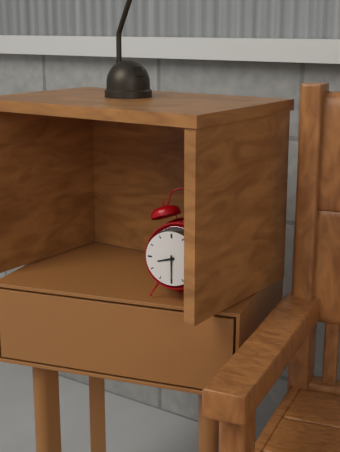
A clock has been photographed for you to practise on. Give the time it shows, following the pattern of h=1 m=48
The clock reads h=8 m=30
